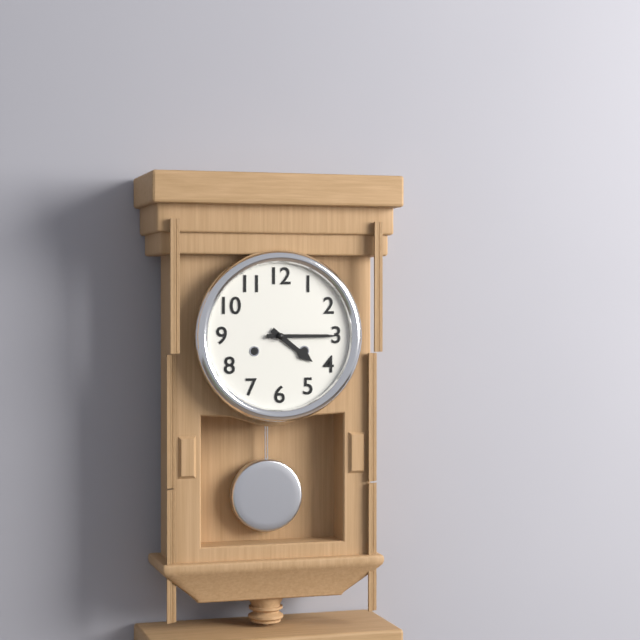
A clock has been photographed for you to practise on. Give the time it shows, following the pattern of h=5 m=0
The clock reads h=4 m=15
